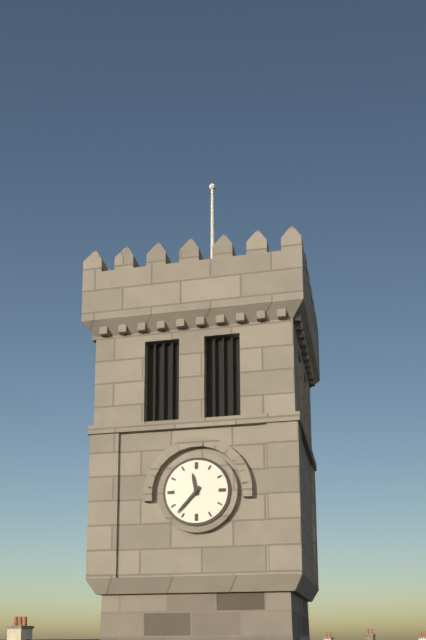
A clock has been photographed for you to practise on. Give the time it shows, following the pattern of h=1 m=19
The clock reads h=11 m=37
